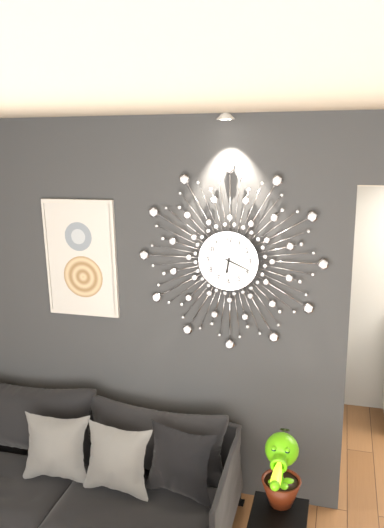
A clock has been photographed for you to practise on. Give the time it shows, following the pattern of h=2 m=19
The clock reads h=6 m=19
